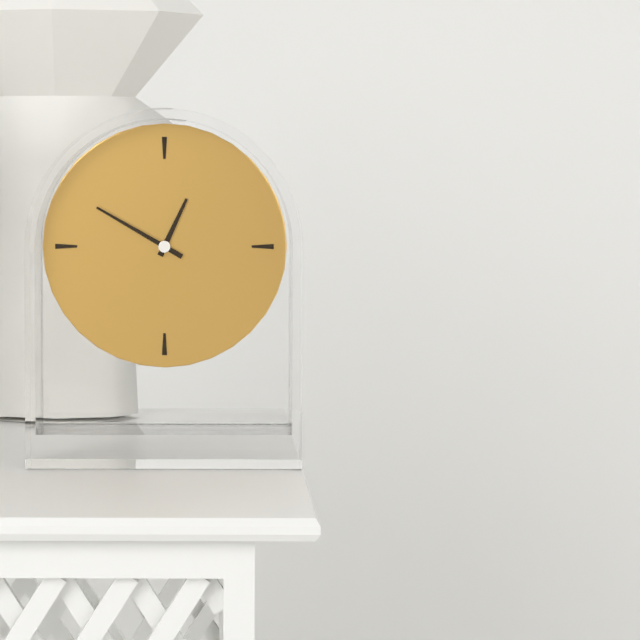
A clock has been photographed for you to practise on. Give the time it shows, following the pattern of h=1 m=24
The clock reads h=12 m=50
